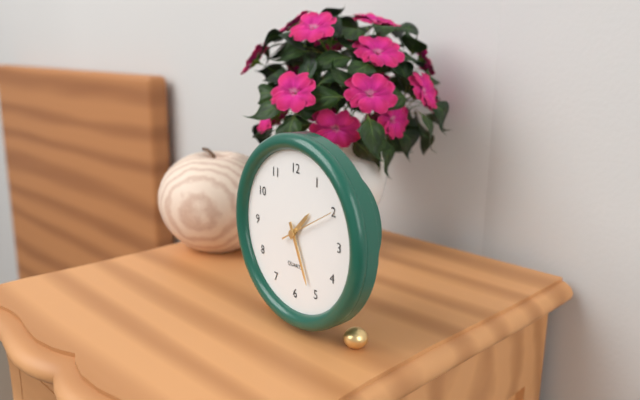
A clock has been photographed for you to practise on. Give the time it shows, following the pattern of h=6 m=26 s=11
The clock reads h=1 m=26 s=10
